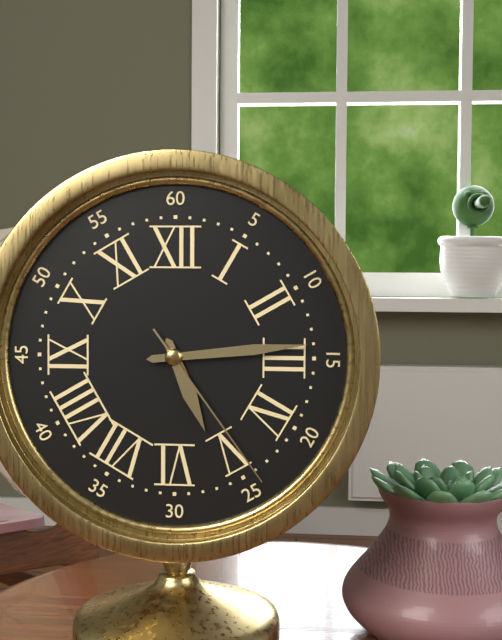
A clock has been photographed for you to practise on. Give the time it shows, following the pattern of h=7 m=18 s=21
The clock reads h=5 m=14 s=24
